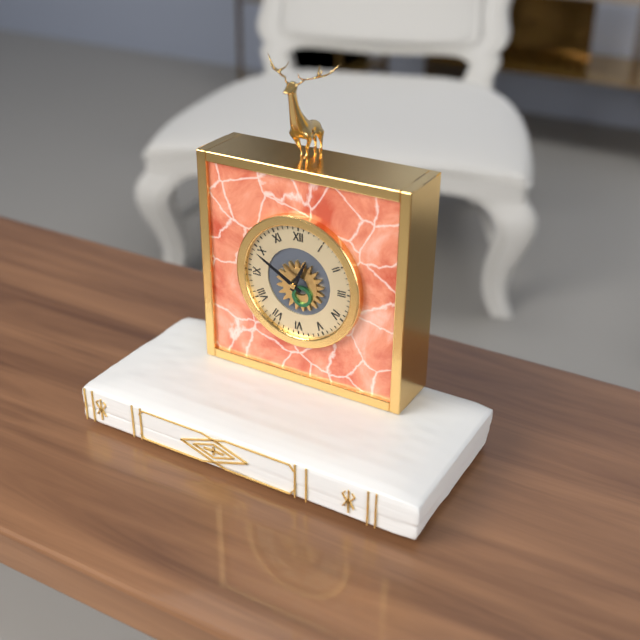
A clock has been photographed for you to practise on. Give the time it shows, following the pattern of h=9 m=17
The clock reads h=12 m=50
